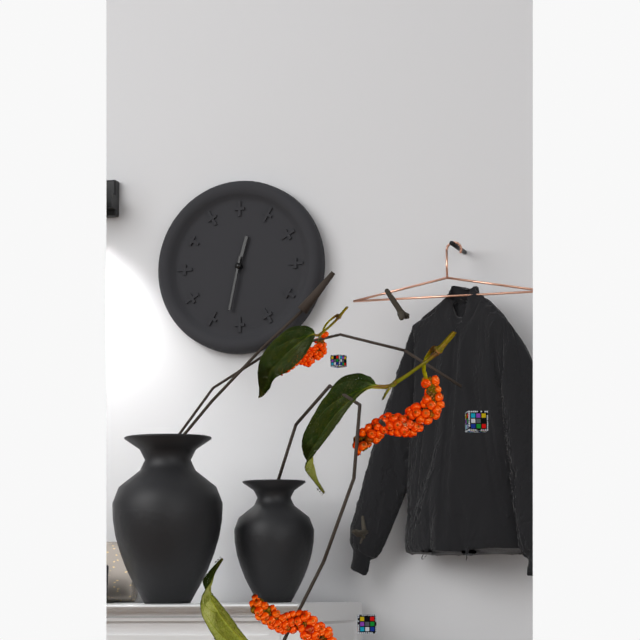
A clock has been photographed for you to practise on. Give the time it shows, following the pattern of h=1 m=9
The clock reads h=12 m=32
